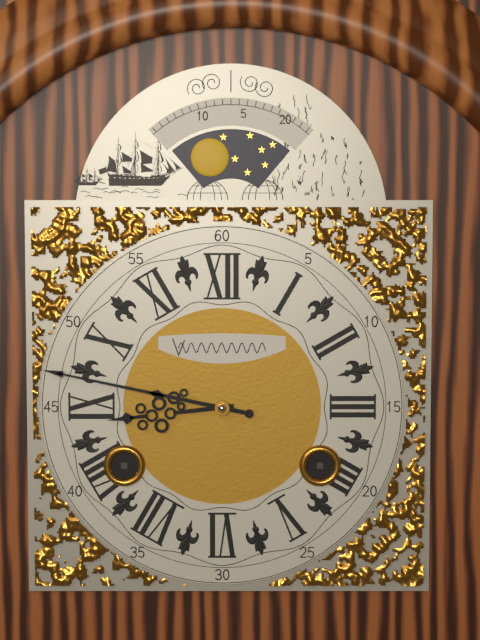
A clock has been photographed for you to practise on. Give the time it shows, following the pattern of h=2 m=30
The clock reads h=8 m=47
